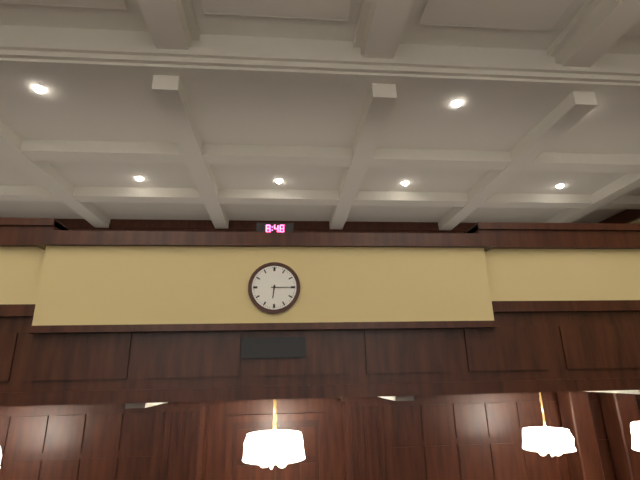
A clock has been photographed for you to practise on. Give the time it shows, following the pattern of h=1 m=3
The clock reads h=6 m=15
